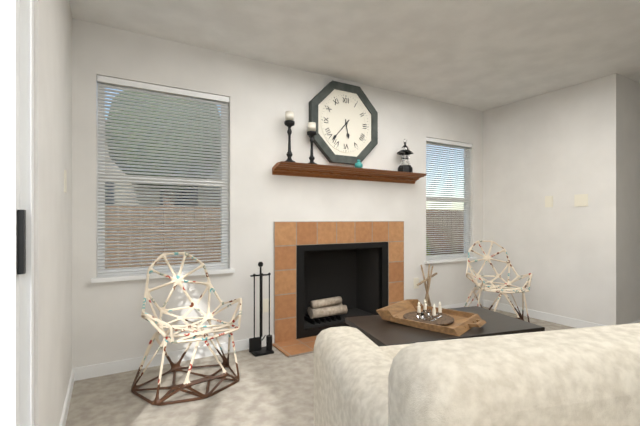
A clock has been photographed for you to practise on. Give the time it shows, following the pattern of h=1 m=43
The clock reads h=5 m=37
